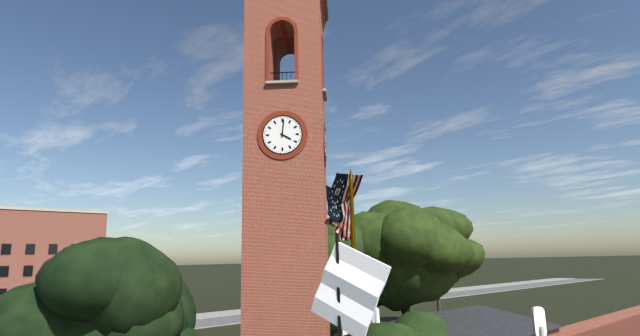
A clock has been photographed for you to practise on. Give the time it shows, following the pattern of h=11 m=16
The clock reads h=4 m=1
